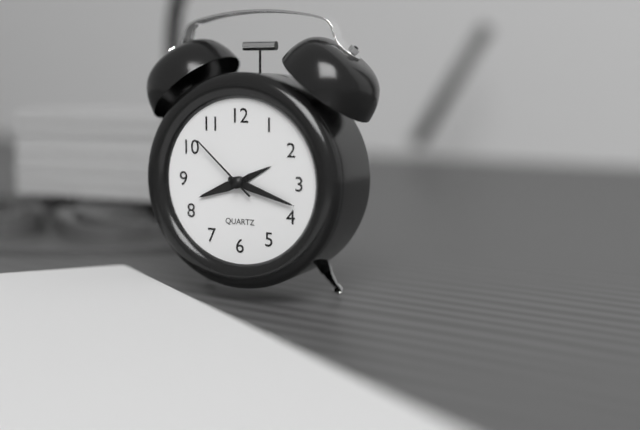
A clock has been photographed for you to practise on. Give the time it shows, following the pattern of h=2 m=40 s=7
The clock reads h=8 m=18 s=52
